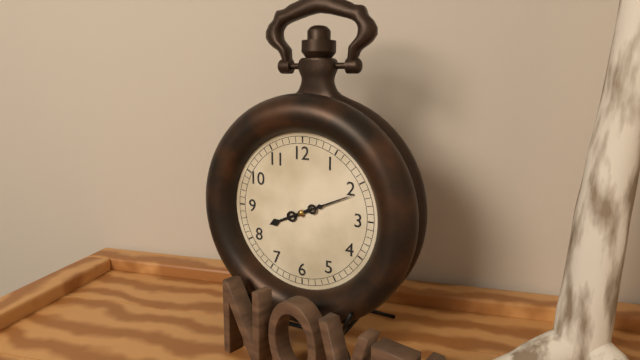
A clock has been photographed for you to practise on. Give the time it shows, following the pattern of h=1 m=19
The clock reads h=8 m=11
